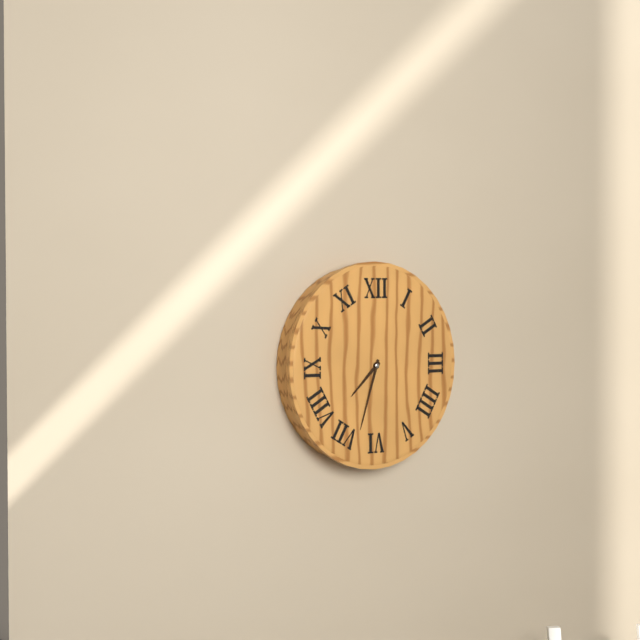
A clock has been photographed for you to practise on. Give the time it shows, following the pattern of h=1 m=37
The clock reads h=7 m=33
